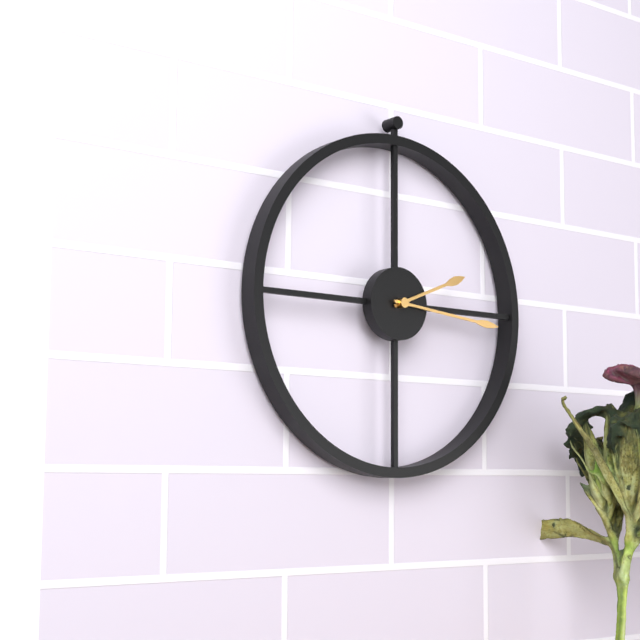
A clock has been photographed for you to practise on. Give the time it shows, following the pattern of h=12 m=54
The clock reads h=2 m=16
